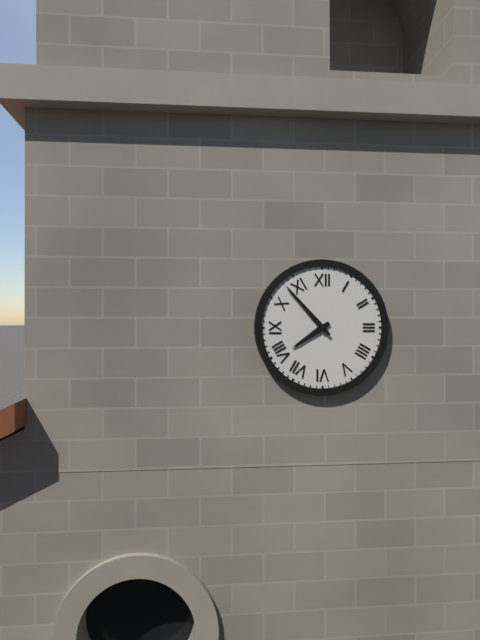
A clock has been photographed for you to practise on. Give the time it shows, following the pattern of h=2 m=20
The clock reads h=7 m=53
